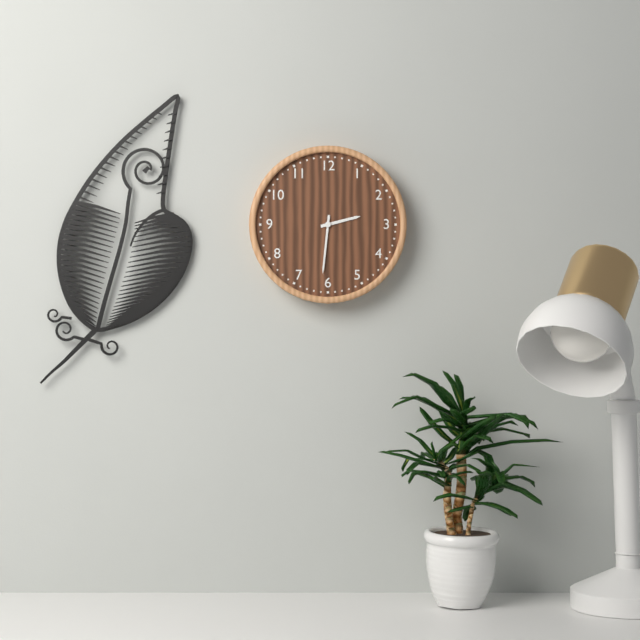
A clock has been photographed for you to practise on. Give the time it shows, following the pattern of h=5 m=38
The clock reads h=2 m=31
